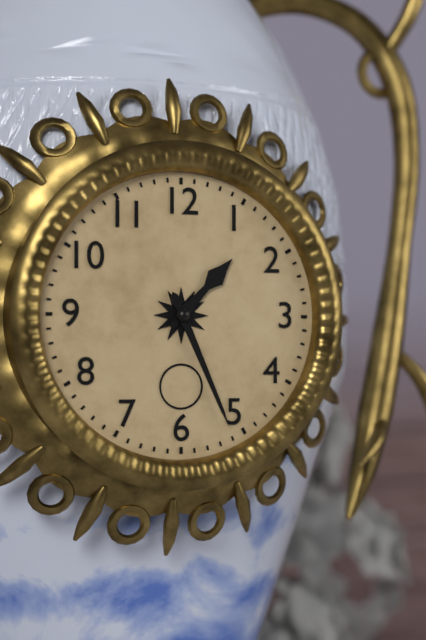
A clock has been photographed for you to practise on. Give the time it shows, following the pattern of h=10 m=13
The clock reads h=1 m=26
